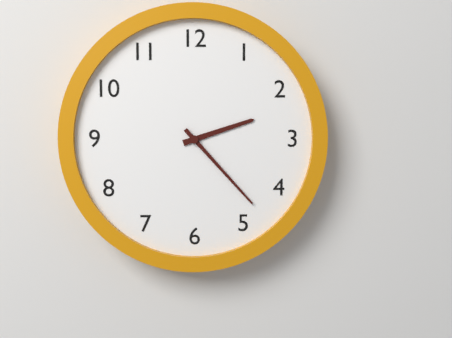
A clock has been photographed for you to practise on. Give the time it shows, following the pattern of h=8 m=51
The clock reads h=2 m=23
